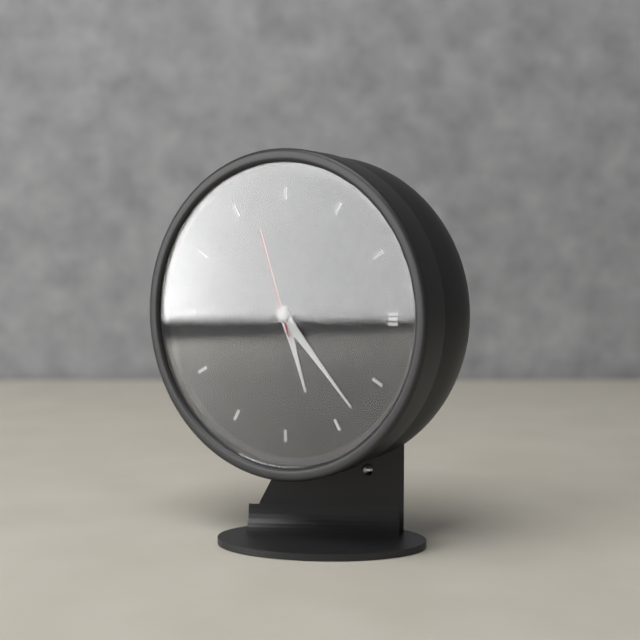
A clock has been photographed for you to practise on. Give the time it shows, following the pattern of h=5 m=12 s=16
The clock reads h=5 m=23 s=57
